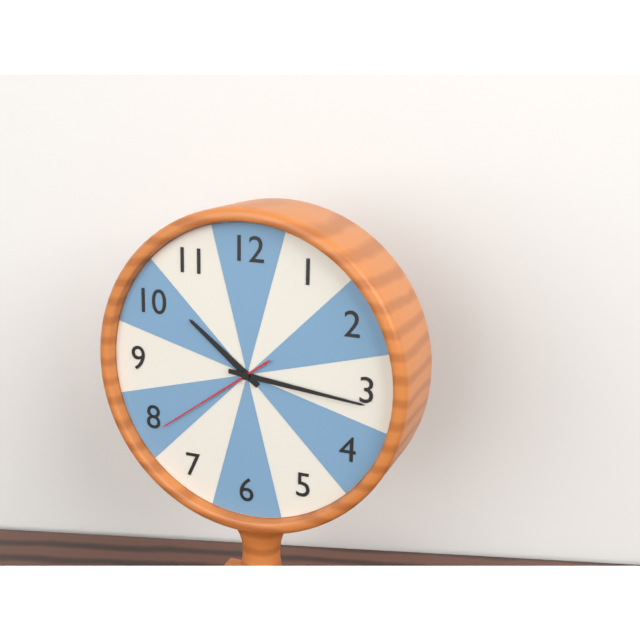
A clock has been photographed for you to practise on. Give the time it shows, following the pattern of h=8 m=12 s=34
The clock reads h=10 m=16 s=39
